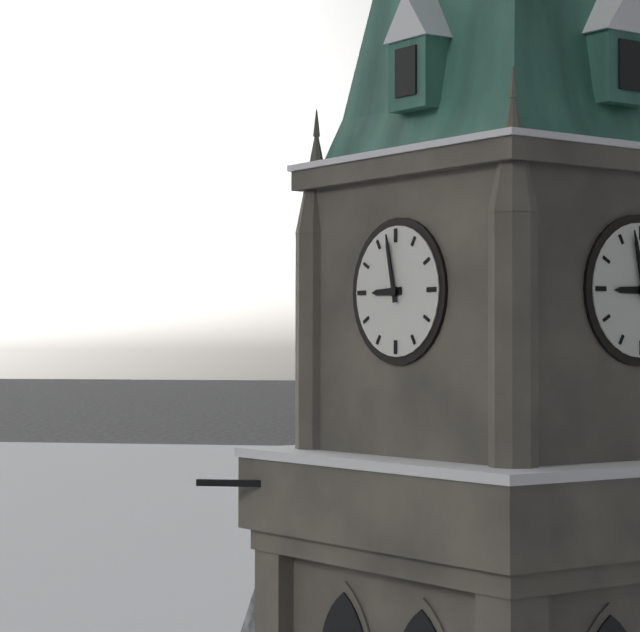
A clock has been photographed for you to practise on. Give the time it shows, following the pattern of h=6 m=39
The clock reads h=8 m=58
